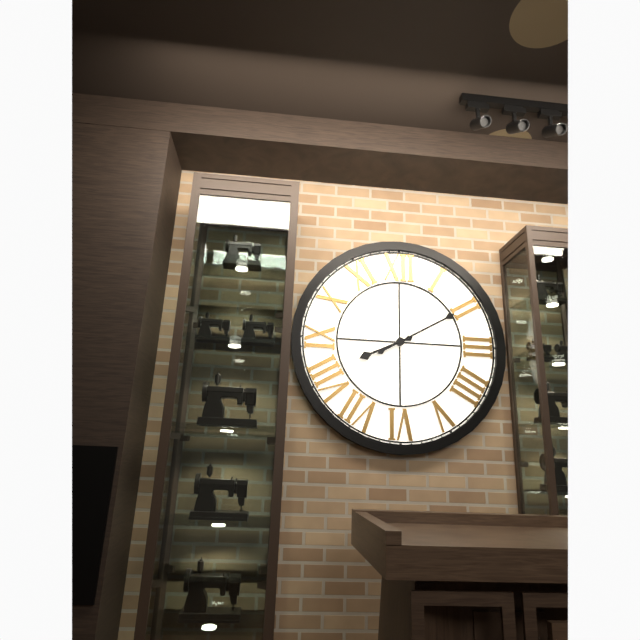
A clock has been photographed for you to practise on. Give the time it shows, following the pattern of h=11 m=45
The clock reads h=8 m=10
